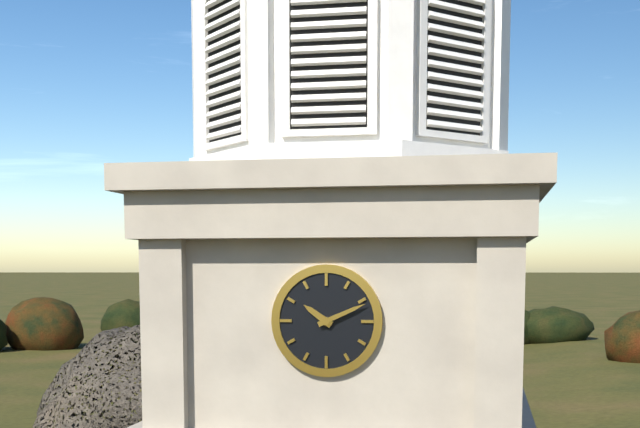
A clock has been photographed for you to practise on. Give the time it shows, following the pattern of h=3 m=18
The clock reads h=10 m=11
